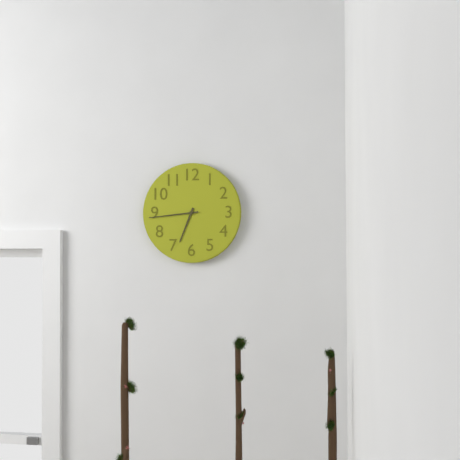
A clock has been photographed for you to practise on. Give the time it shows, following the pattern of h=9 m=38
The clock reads h=6 m=44
